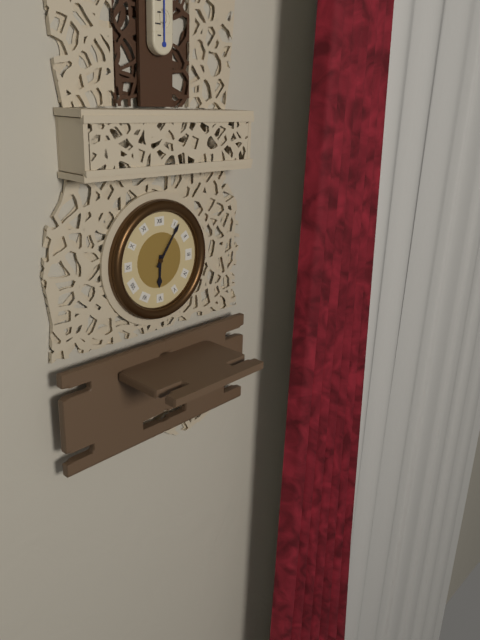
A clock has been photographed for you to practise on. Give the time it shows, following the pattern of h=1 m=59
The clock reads h=6 m=6
